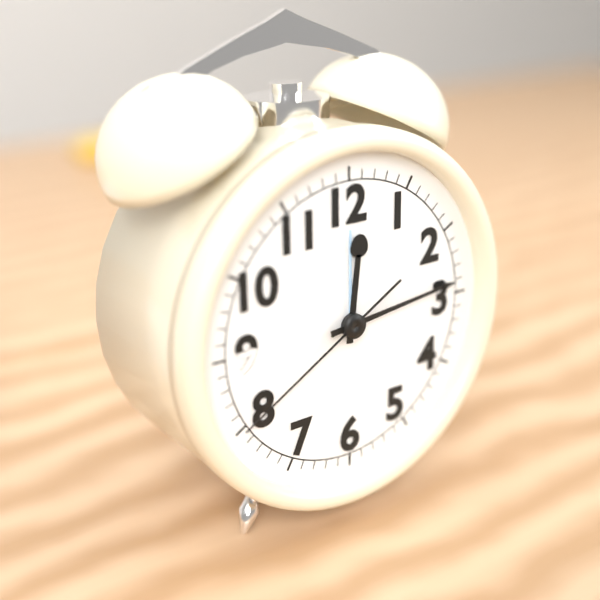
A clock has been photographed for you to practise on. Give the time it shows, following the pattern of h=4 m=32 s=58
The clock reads h=12 m=14 s=40
